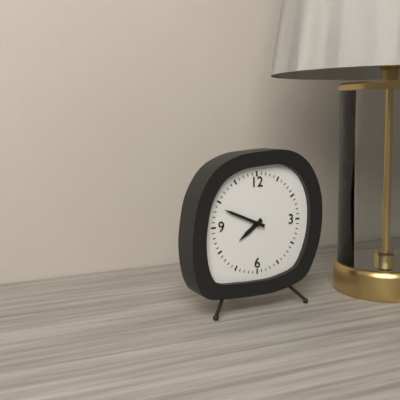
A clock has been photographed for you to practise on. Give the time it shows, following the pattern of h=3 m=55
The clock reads h=7 m=49
